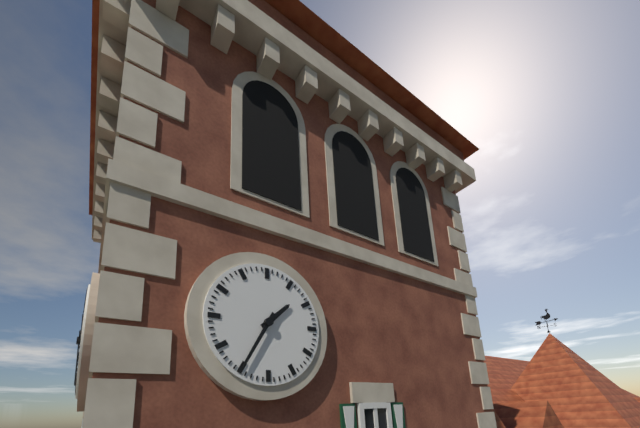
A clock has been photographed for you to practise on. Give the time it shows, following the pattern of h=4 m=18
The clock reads h=1 m=35
